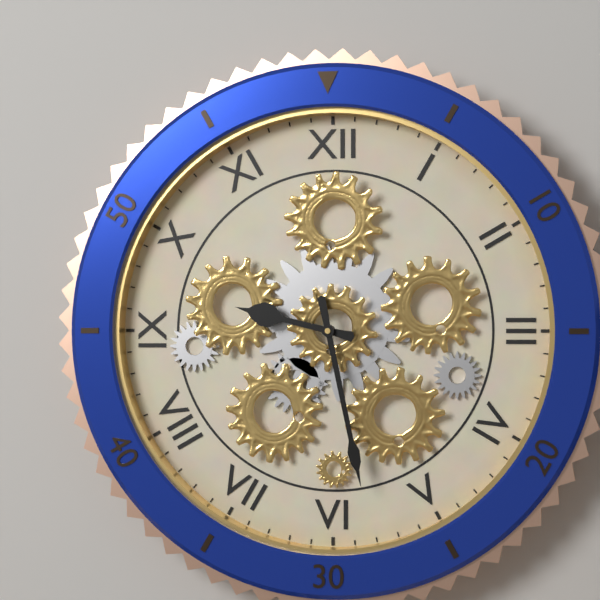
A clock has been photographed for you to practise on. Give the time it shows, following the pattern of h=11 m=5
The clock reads h=9 m=28
